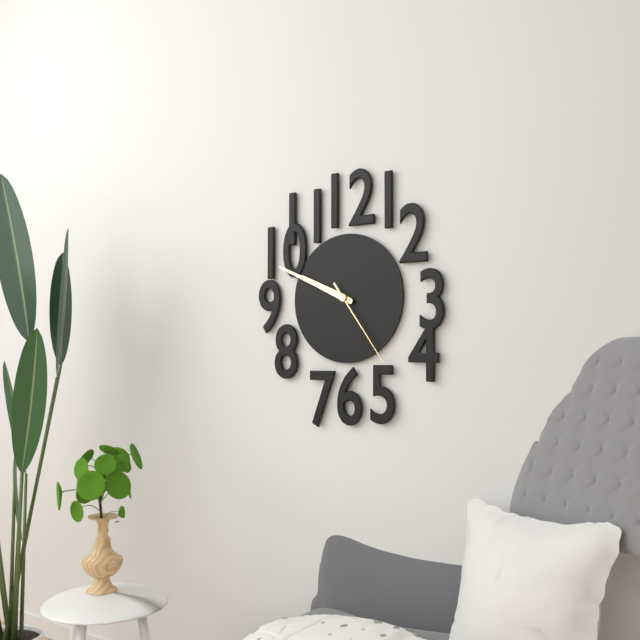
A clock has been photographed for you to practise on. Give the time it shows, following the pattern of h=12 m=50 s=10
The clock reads h=9 m=49 s=24
